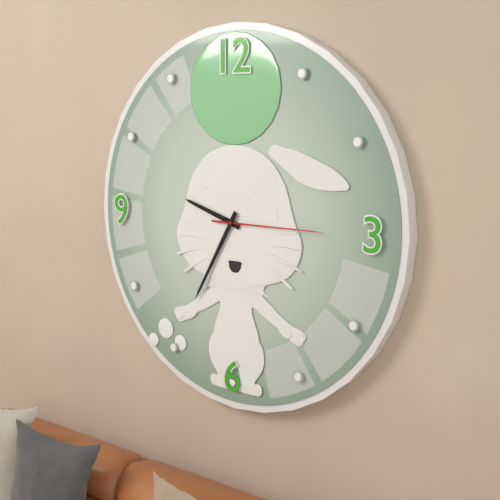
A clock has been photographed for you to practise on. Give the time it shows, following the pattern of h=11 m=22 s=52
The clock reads h=9 m=35 s=15
